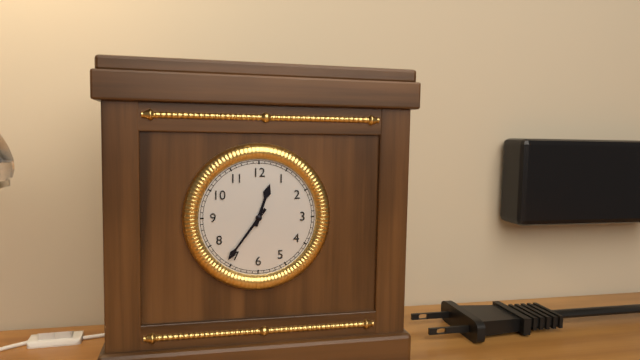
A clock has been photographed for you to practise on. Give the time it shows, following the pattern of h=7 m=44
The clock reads h=12 m=36
